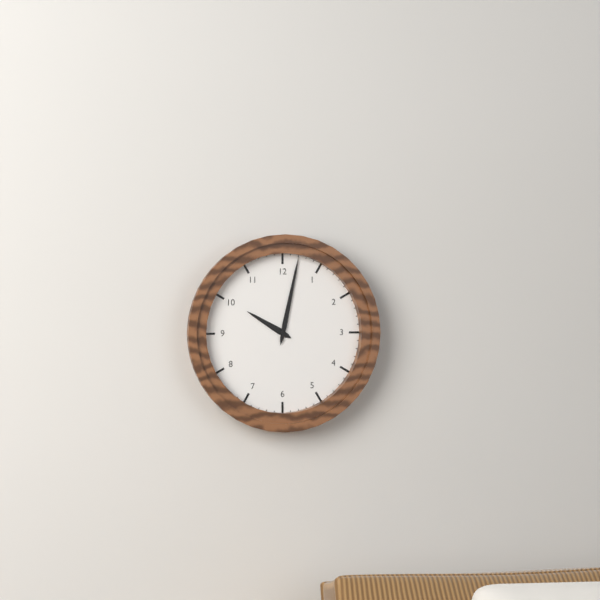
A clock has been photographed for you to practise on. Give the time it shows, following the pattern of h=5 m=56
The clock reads h=10 m=2
